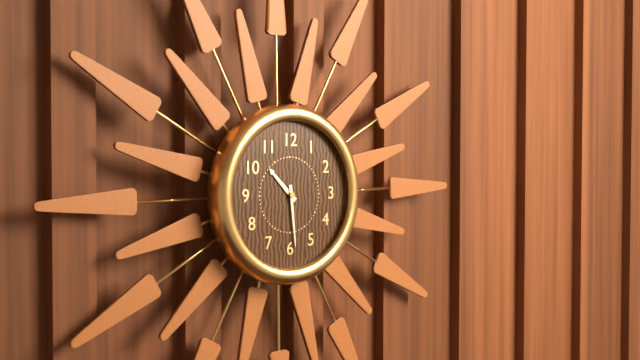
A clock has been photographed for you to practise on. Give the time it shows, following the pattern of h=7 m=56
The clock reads h=10 m=29
